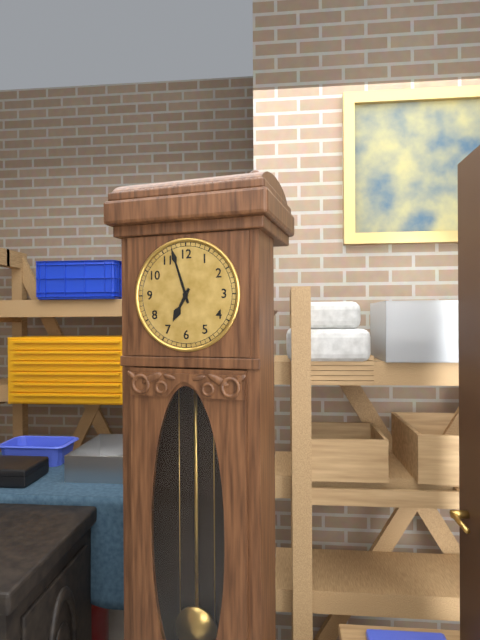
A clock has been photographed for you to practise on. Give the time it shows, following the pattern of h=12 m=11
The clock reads h=6 m=57
